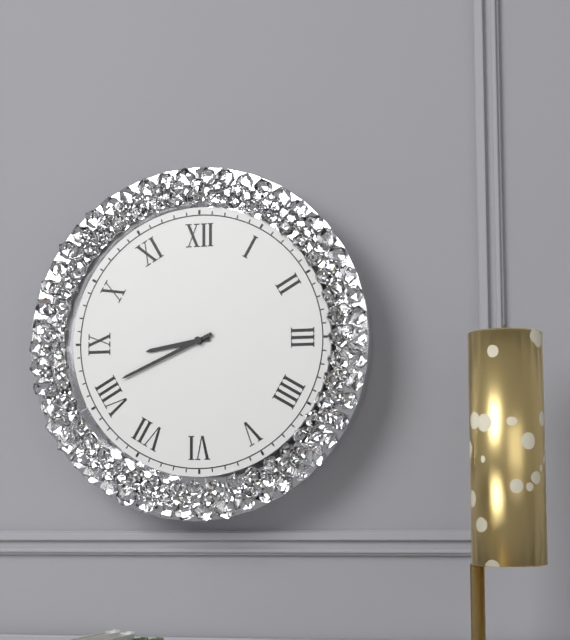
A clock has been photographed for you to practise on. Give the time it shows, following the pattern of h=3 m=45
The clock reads h=8 m=41
